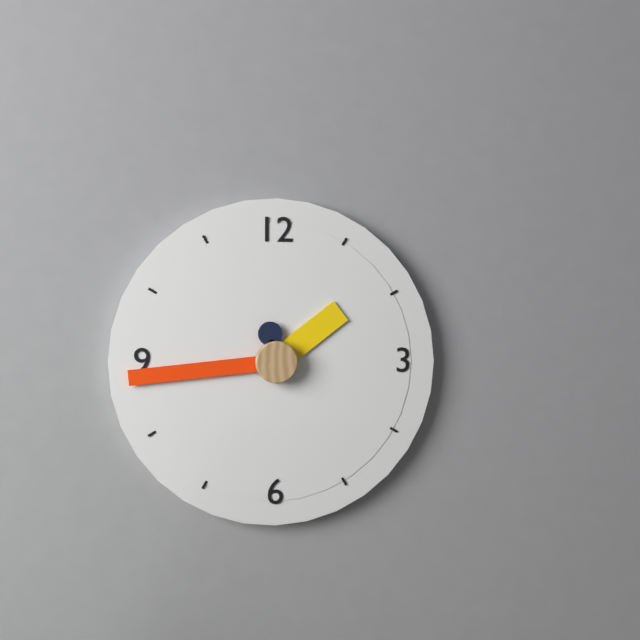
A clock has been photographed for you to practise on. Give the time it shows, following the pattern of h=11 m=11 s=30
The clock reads h=1 m=44 s=58
